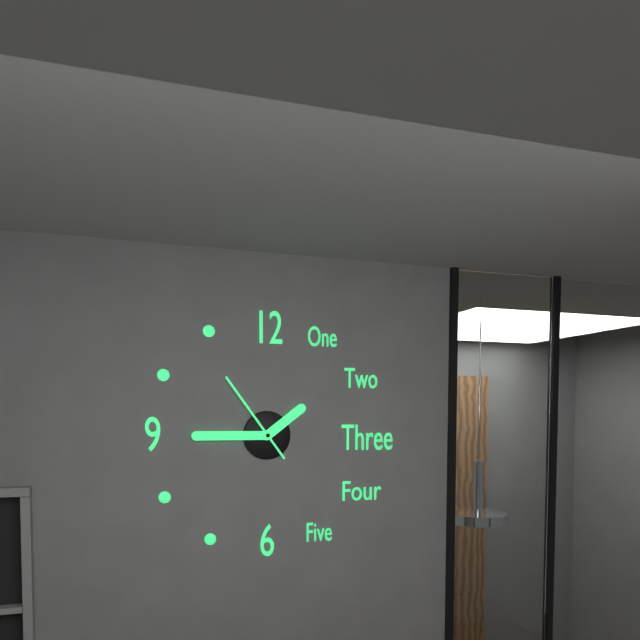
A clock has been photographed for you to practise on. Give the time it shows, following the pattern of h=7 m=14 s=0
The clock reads h=1 m=45 s=54
